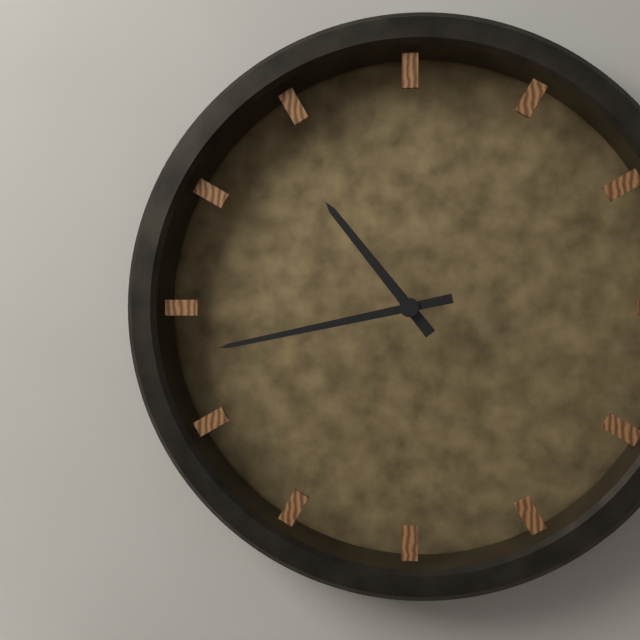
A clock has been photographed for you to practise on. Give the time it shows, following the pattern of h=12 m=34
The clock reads h=10 m=43
